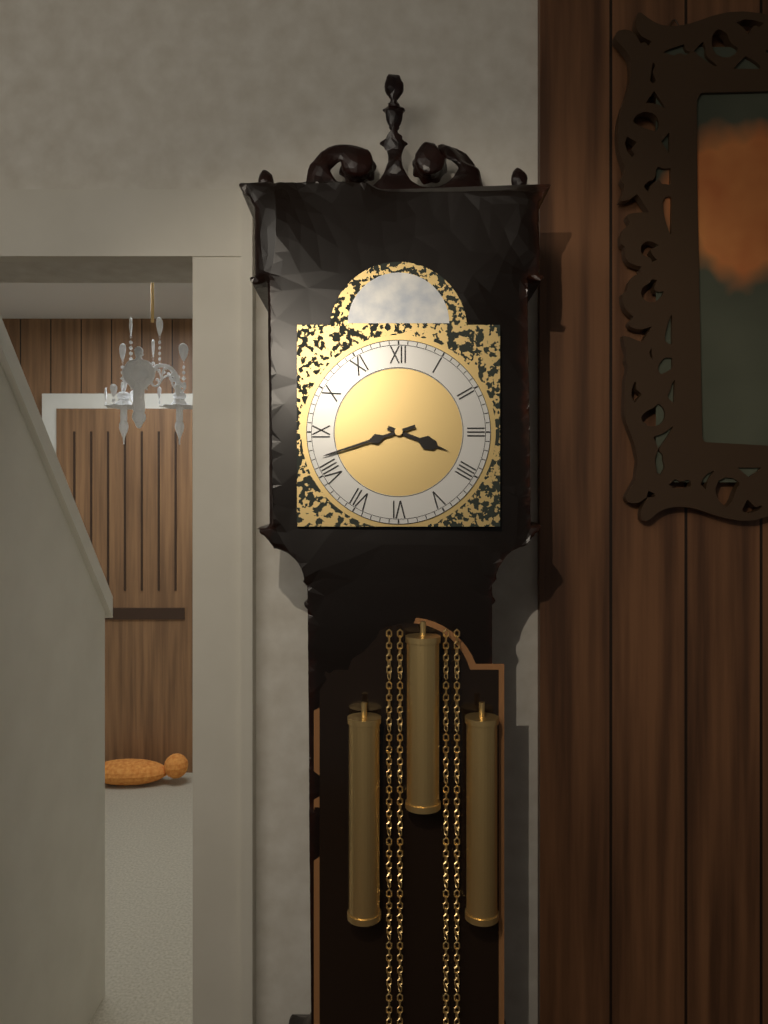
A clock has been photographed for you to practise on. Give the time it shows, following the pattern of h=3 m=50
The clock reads h=3 m=42
